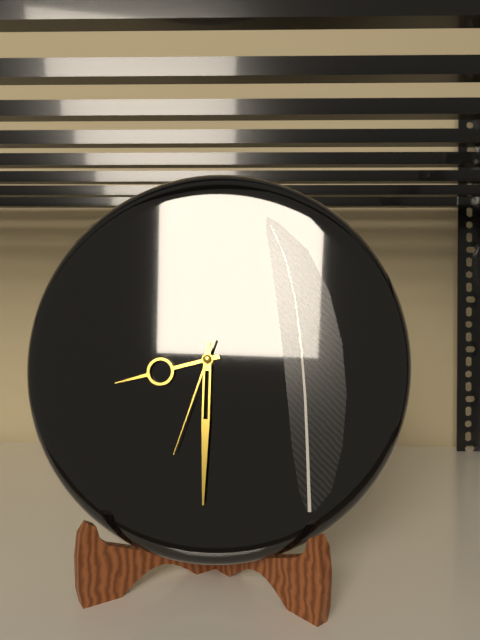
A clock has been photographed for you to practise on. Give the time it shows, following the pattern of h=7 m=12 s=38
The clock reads h=8 m=30 s=33
